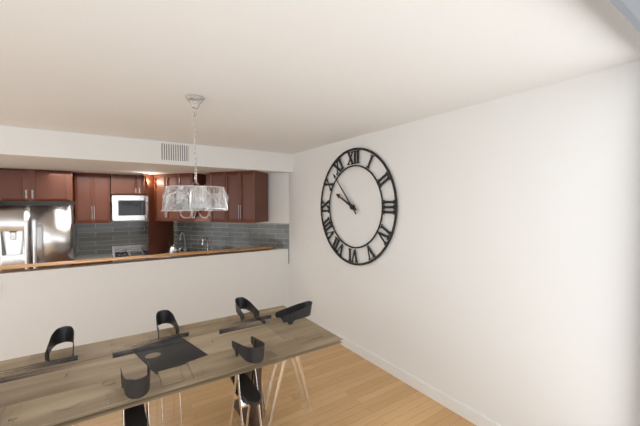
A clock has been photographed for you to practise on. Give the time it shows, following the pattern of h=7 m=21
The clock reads h=9 m=53
